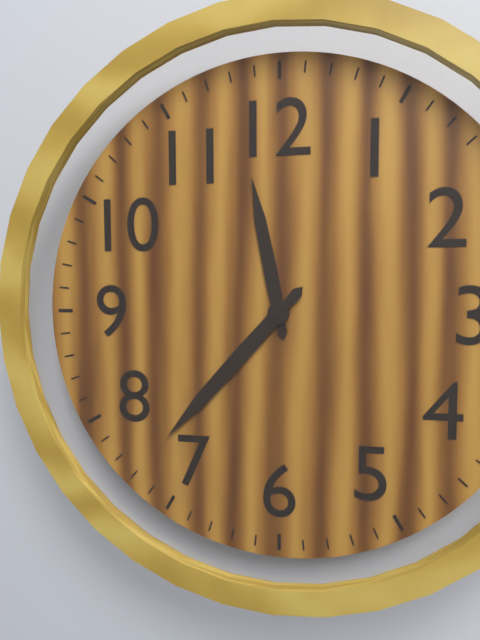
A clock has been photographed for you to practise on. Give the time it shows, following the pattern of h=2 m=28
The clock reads h=11 m=37
